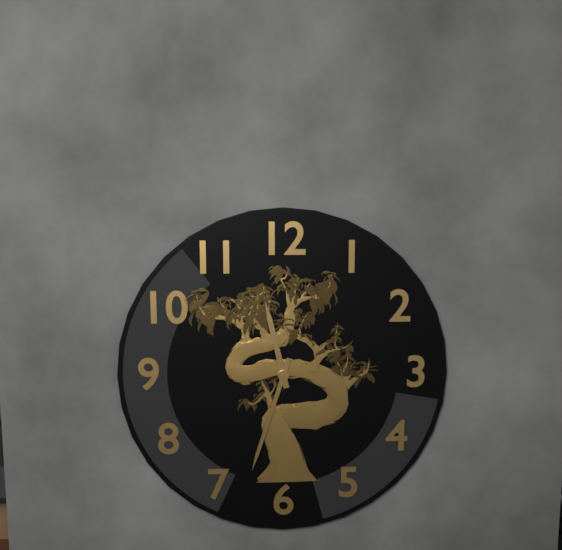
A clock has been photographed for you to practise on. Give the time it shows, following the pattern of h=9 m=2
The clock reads h=11 m=33
